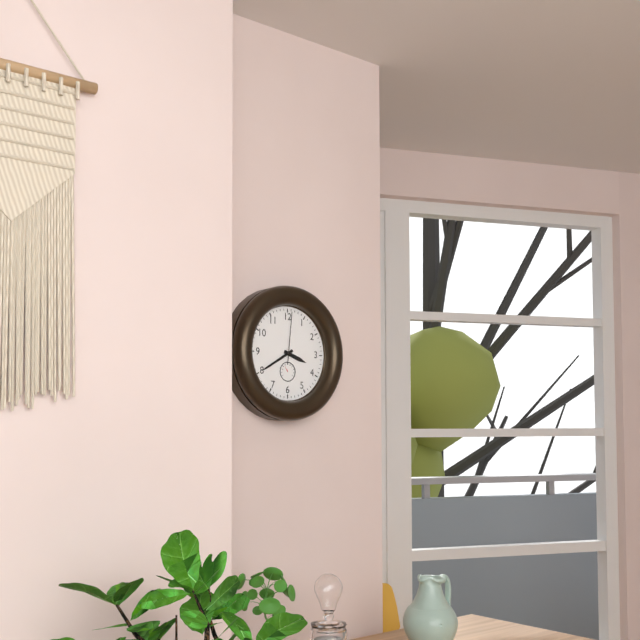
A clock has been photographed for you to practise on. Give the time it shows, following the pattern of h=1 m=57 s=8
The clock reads h=3 m=40 s=1
